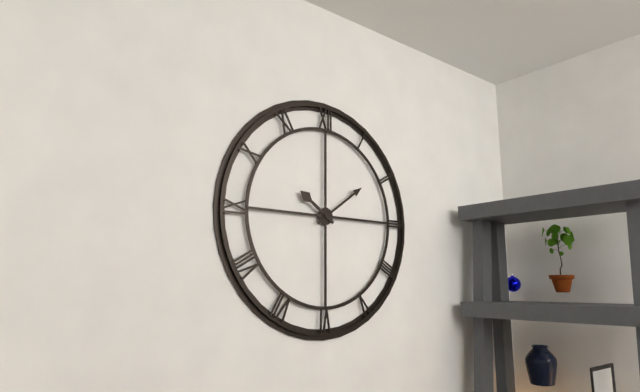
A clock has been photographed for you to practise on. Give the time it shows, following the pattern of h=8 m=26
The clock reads h=10 m=9
